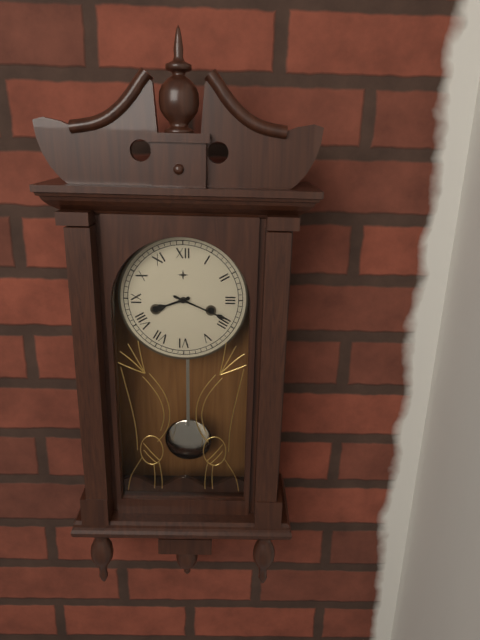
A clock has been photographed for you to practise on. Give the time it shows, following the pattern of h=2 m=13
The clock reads h=8 m=19
